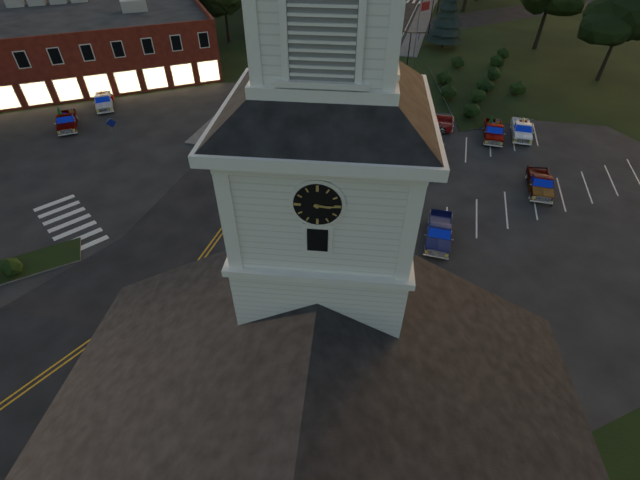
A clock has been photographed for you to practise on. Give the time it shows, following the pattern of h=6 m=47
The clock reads h=3 m=15
